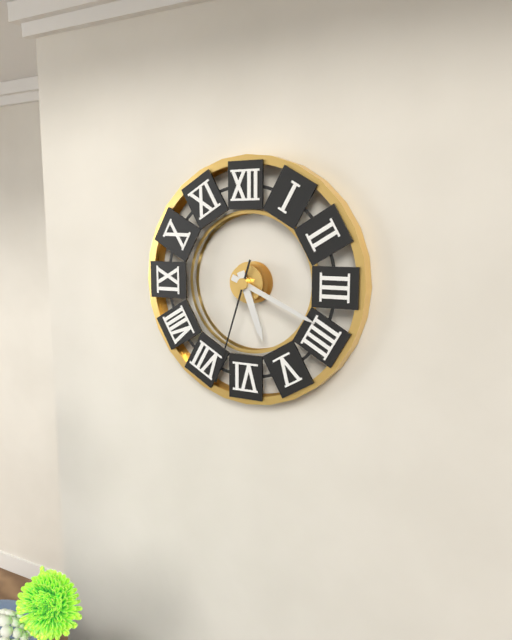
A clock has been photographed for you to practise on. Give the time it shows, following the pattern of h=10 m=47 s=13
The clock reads h=5 m=19 s=33
